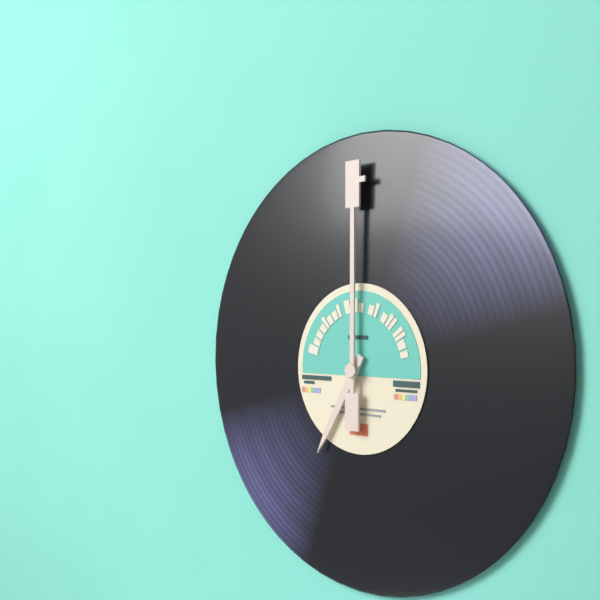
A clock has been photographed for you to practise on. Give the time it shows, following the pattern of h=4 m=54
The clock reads h=7 m=0
